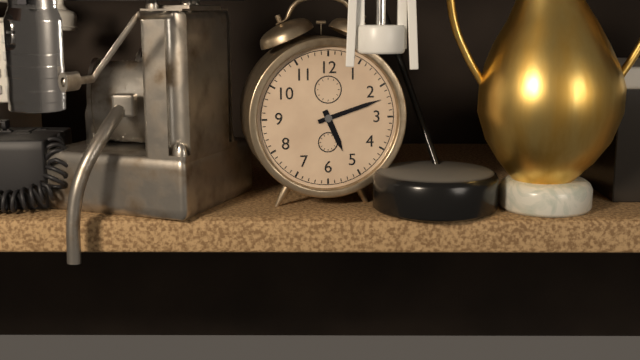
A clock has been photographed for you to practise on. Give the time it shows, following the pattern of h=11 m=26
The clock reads h=5 m=12
